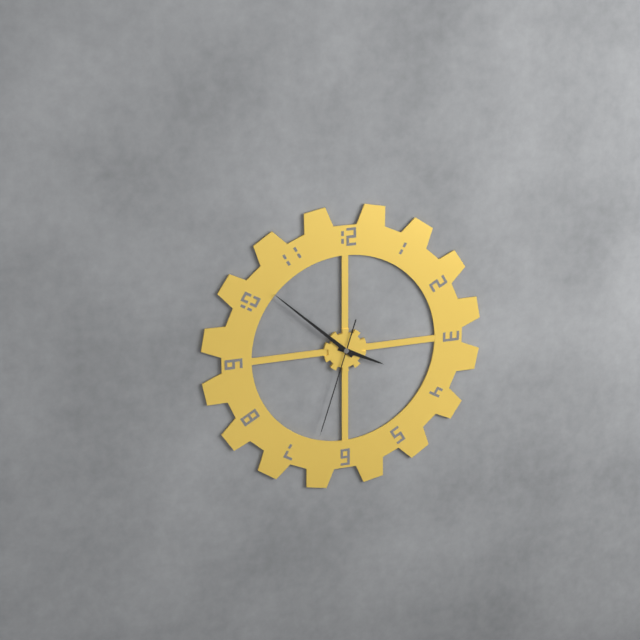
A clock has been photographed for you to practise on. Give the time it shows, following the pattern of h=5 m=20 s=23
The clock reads h=3 m=52 s=33
